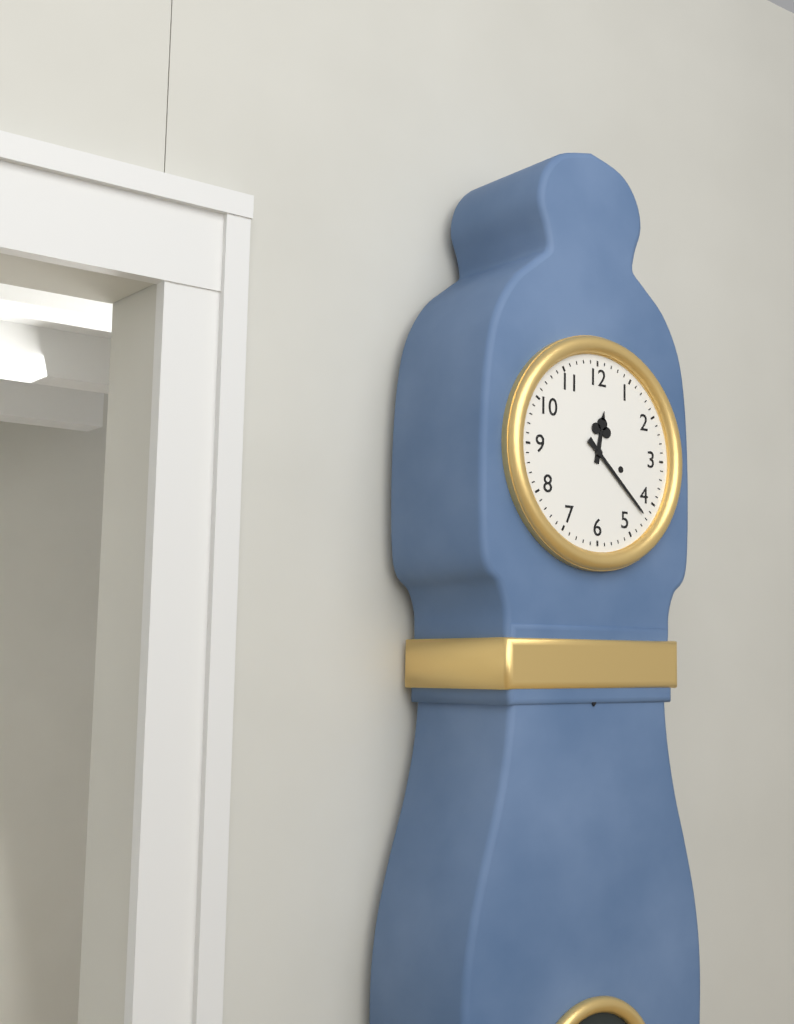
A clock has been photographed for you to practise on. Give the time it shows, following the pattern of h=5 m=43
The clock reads h=12 m=22
